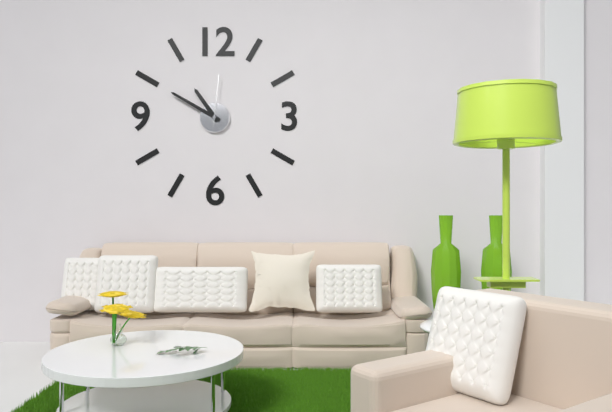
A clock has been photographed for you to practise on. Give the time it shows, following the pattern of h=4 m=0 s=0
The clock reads h=10 m=50 s=1
